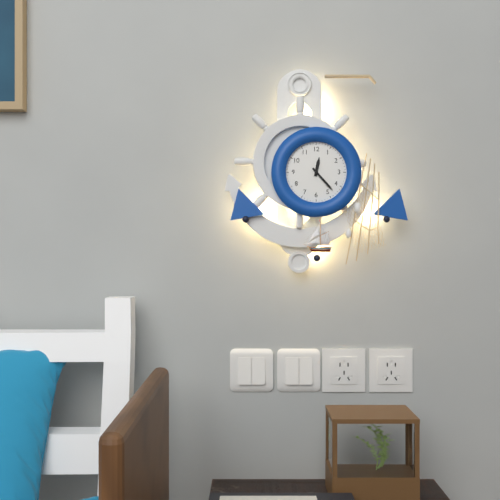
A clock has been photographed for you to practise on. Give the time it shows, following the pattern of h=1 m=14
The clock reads h=12 m=23
